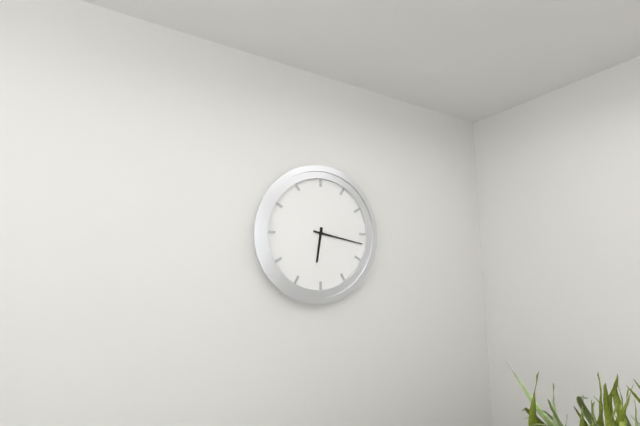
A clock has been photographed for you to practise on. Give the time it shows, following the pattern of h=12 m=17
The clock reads h=6 m=17
